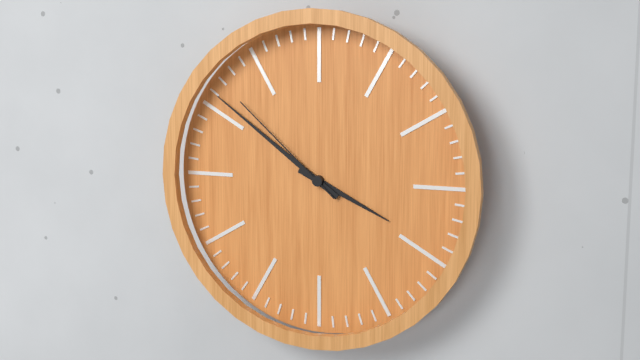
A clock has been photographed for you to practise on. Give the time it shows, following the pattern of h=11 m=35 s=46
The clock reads h=3 m=51 s=52
